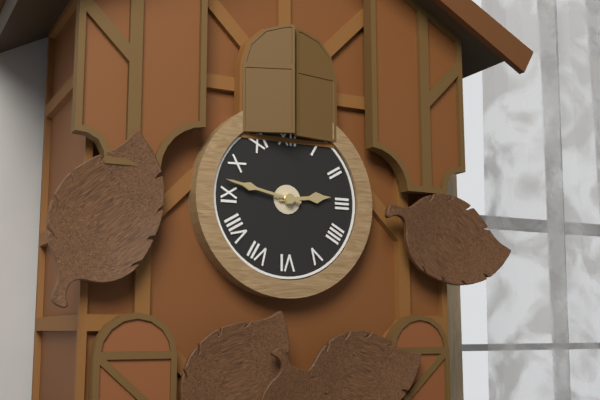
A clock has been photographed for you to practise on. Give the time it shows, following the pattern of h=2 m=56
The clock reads h=2 m=47
